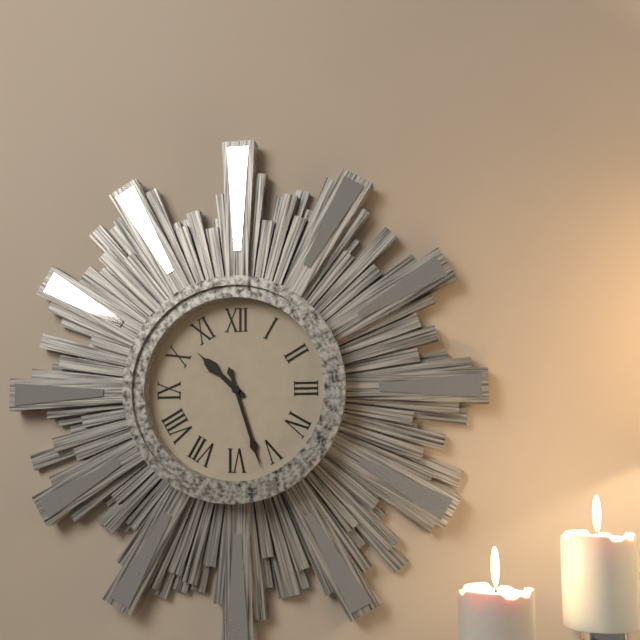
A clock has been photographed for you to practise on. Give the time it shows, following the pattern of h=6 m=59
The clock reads h=10 m=27
